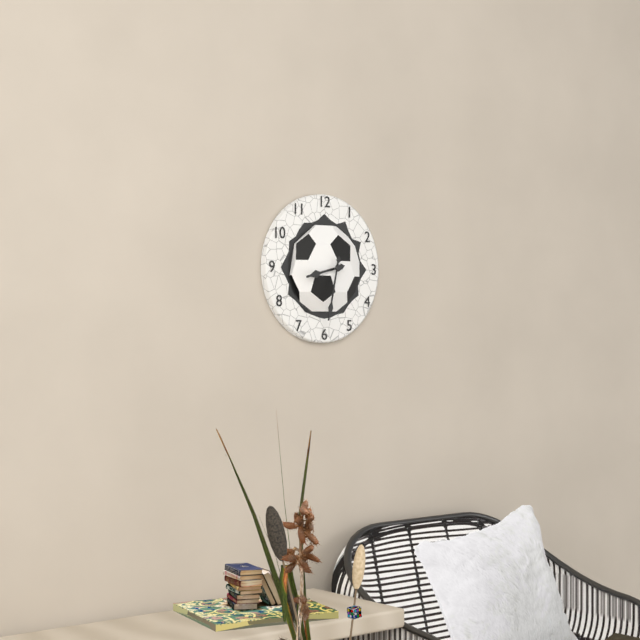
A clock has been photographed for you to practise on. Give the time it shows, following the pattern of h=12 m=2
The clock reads h=8 m=32
